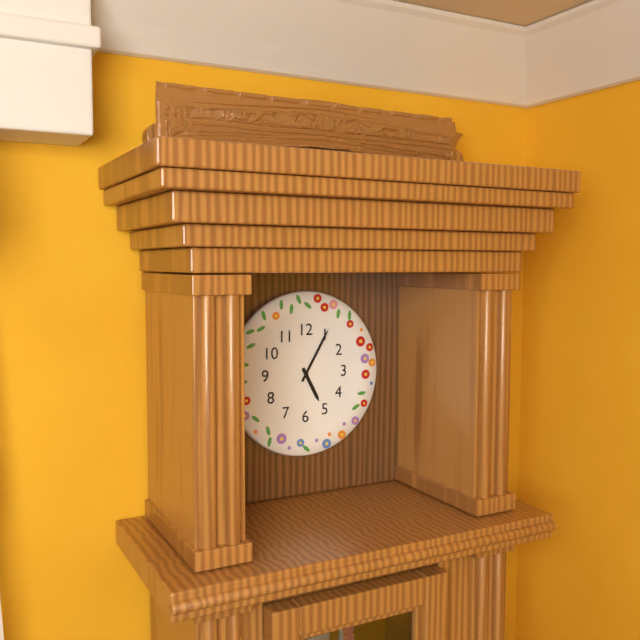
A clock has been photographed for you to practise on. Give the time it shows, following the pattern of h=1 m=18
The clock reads h=5 m=5
